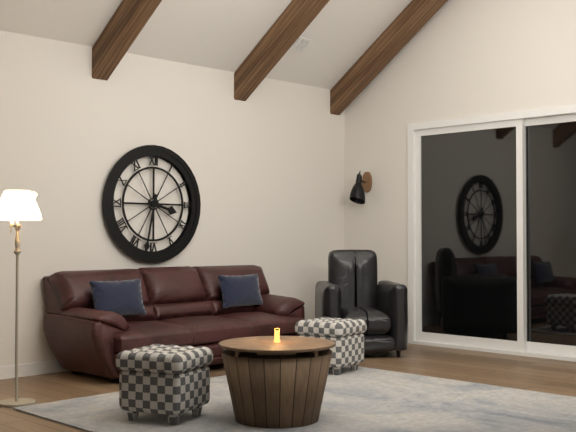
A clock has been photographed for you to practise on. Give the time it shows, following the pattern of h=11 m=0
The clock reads h=3 m=32
